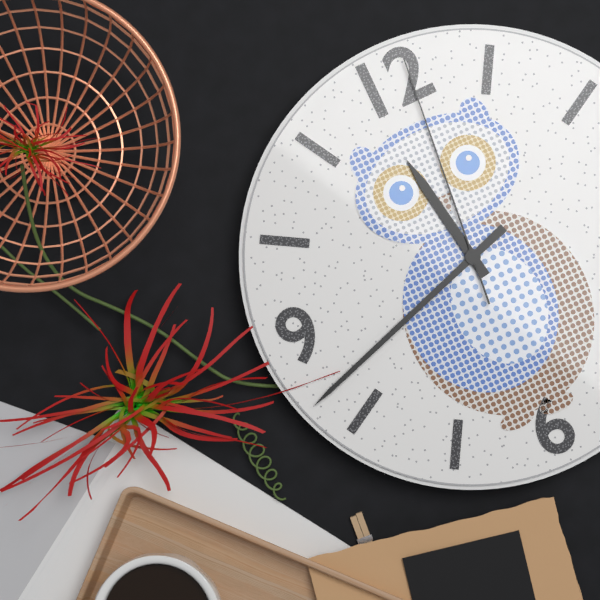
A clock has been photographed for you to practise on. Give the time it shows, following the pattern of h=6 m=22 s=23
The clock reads h=11 m=42 s=1
